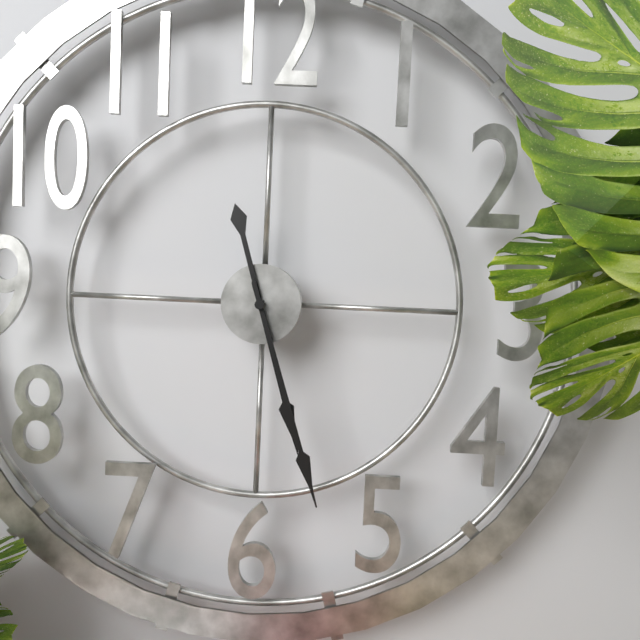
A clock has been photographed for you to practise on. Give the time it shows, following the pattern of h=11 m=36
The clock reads h=5 m=27
